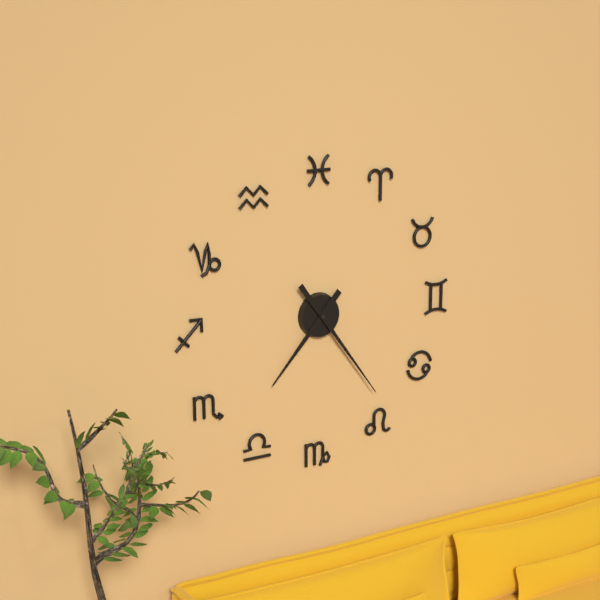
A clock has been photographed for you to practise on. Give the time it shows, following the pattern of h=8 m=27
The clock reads h=7 m=24
